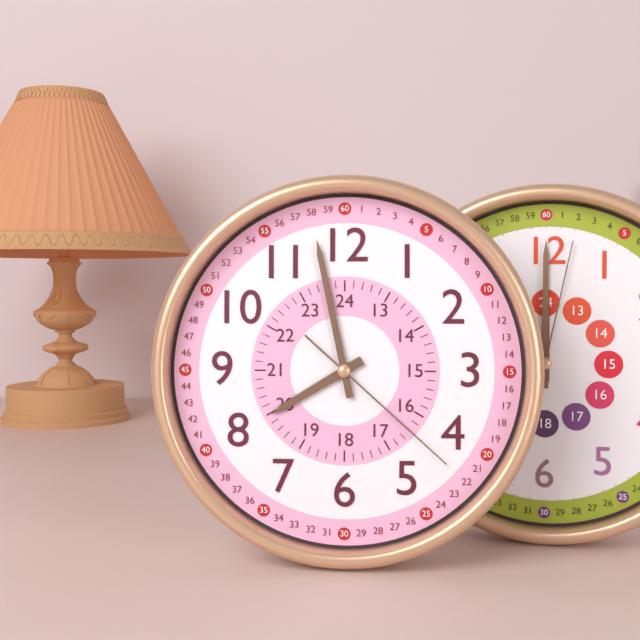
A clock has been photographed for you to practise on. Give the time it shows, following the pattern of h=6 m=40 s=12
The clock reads h=7 m=58 s=22
